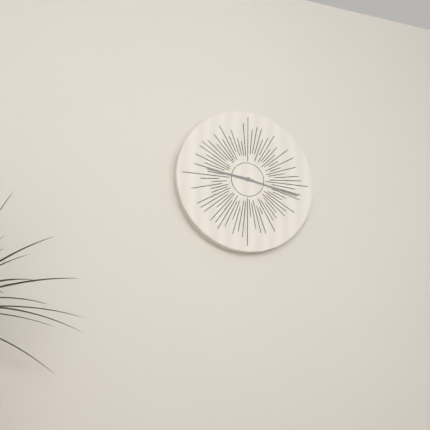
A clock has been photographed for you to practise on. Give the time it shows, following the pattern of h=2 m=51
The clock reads h=9 m=17
